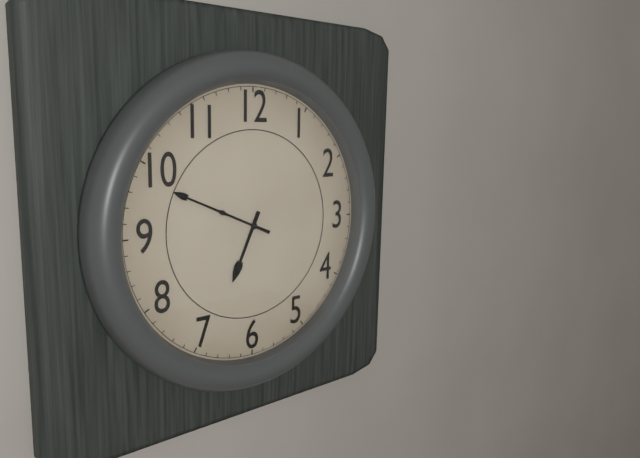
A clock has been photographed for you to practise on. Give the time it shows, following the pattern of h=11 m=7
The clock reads h=6 m=49
